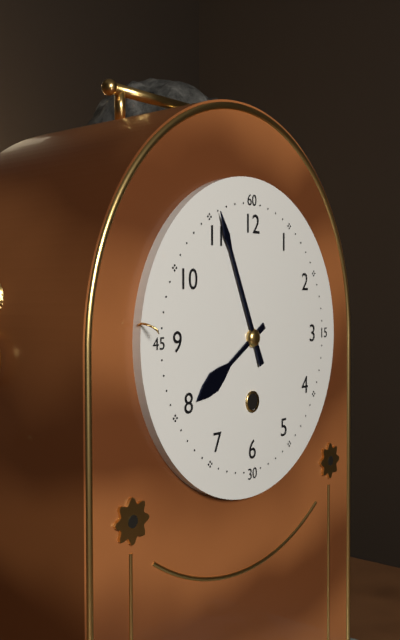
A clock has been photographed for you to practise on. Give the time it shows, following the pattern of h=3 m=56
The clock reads h=7 m=56
